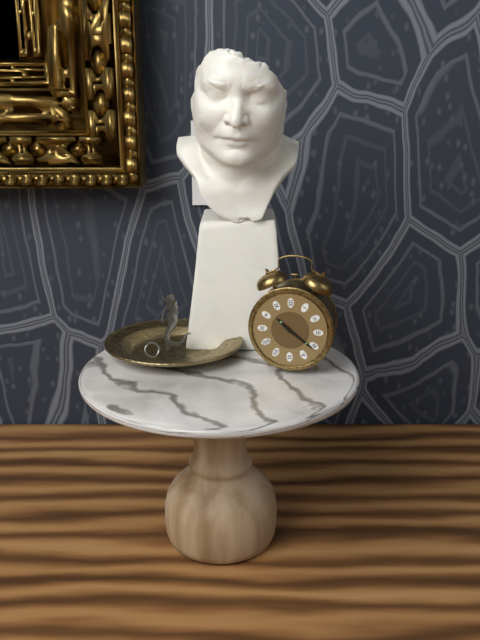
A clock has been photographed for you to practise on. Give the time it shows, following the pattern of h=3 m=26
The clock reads h=10 m=21
